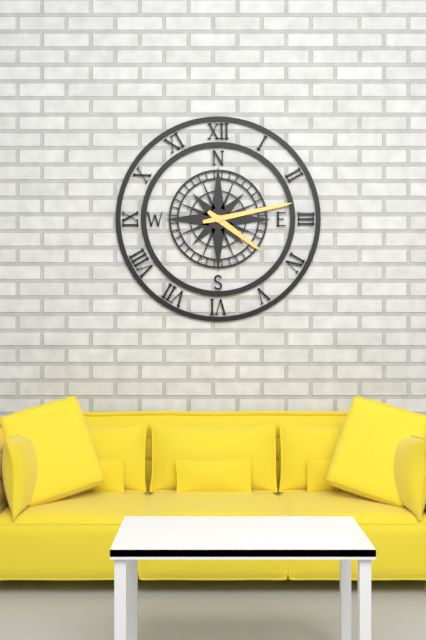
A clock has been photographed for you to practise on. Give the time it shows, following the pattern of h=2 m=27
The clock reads h=4 m=13
